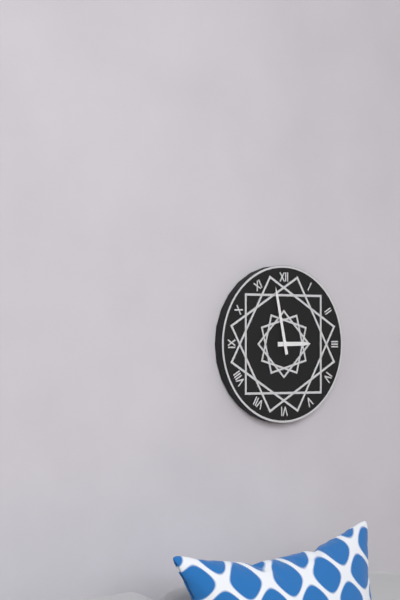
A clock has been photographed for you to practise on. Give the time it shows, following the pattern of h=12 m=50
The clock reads h=2 m=58
